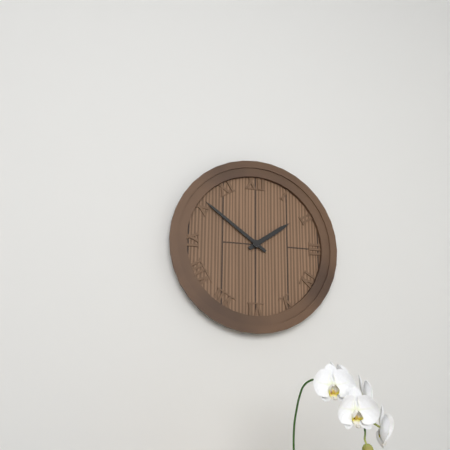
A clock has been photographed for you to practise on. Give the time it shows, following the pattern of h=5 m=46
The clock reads h=1 m=51
